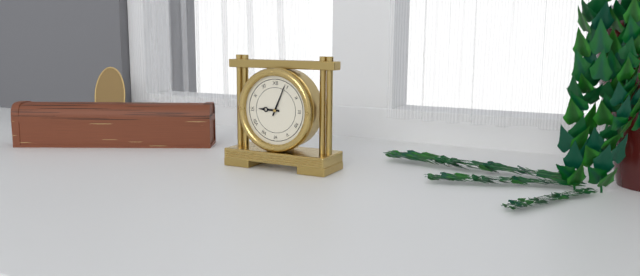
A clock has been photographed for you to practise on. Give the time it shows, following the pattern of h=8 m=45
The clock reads h=9 m=4
